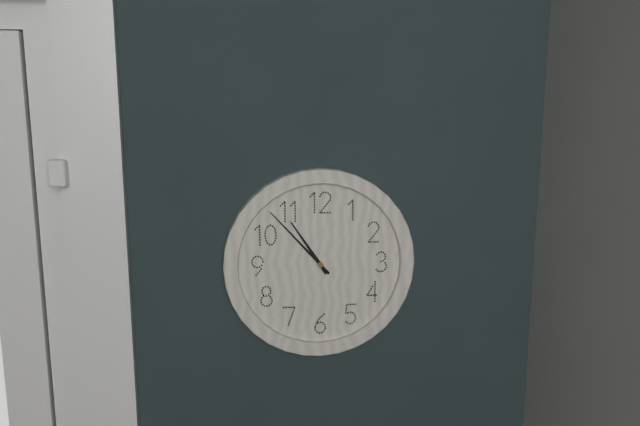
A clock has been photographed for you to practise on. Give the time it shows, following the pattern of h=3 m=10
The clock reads h=10 m=53
